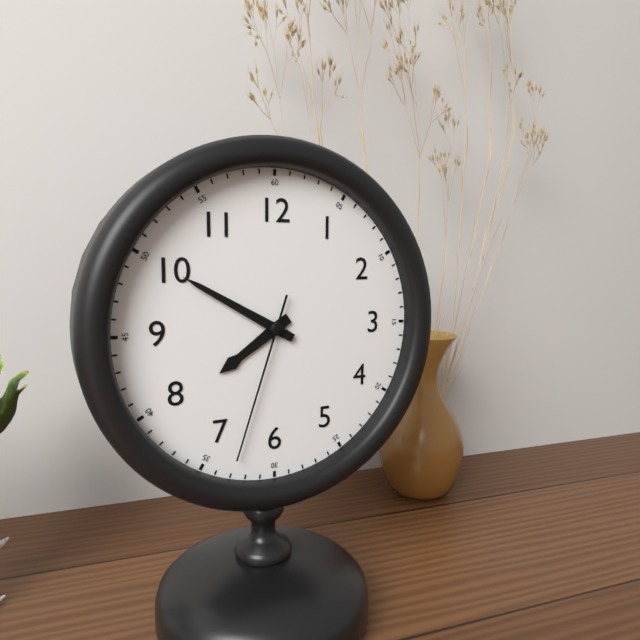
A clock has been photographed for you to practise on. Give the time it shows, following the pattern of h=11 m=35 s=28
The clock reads h=7 m=50 s=33
